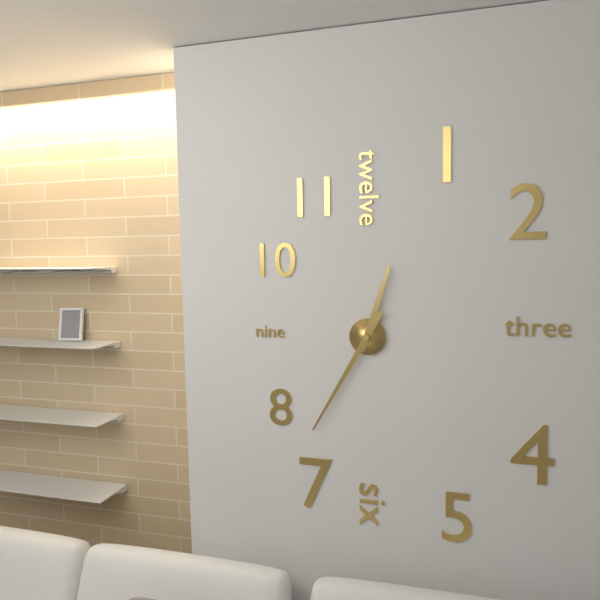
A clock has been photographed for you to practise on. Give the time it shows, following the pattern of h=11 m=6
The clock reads h=12 m=35
